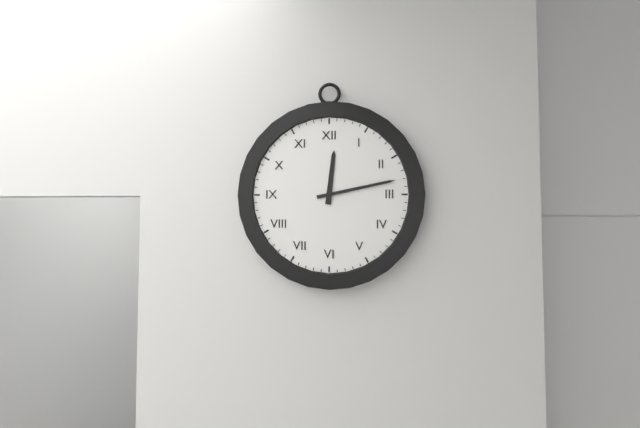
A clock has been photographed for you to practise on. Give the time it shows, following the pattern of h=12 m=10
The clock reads h=12 m=13
